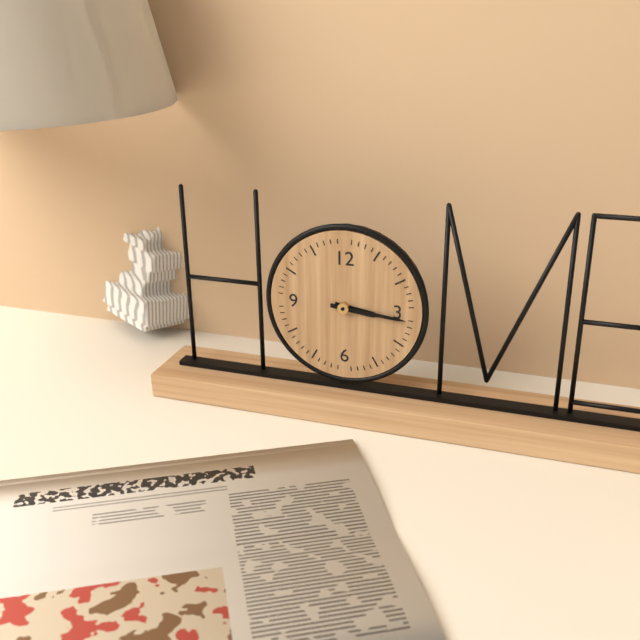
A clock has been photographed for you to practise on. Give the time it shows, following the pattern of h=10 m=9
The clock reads h=3 m=16
